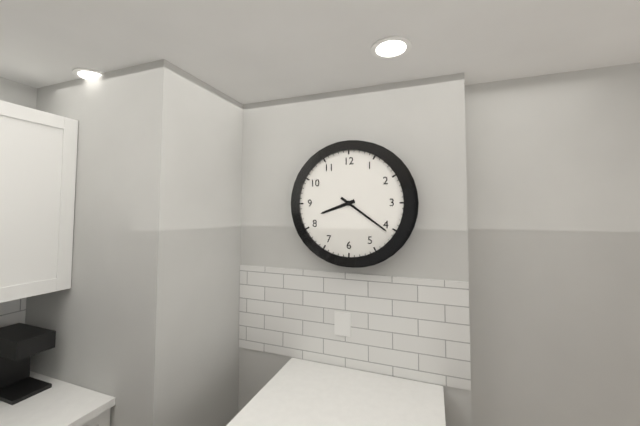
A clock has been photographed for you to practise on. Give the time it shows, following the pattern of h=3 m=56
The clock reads h=8 m=21
